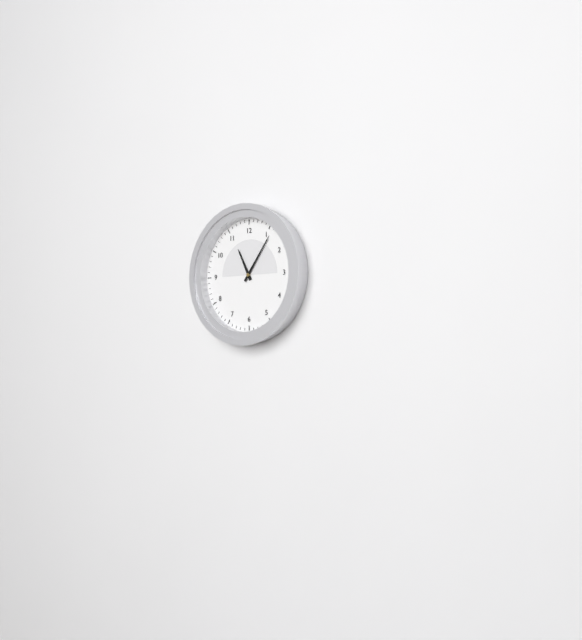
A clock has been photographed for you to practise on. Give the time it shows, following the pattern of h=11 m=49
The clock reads h=11 m=6
